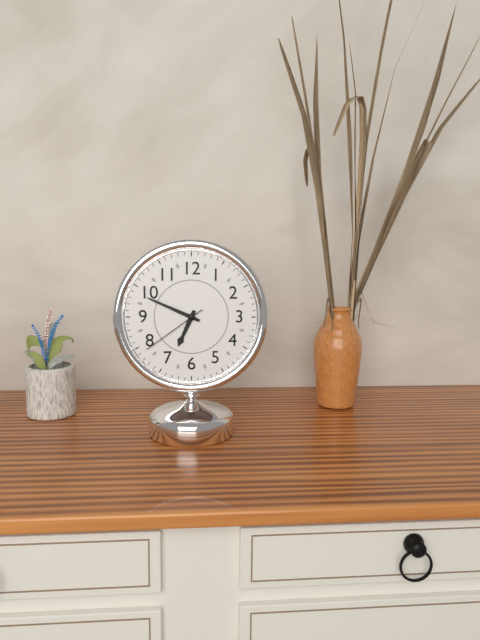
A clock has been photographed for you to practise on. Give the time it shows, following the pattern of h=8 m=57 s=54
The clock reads h=6 m=49 s=39
